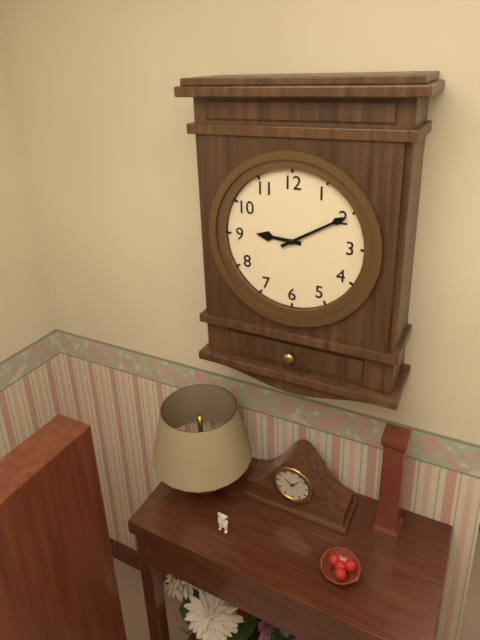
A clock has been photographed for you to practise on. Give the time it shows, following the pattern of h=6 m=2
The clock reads h=9 m=10
